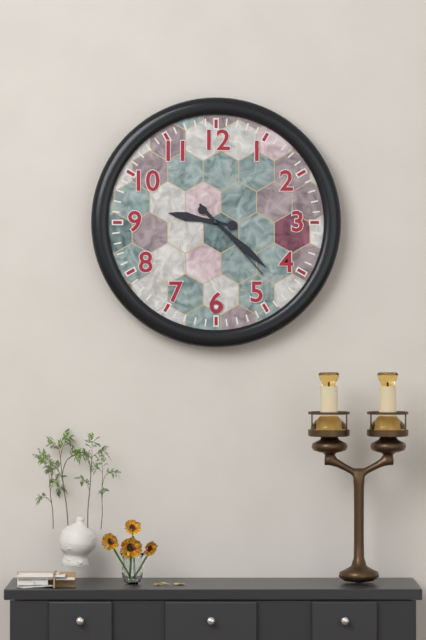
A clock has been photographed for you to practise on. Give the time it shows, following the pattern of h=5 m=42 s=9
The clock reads h=9 m=22 s=23
